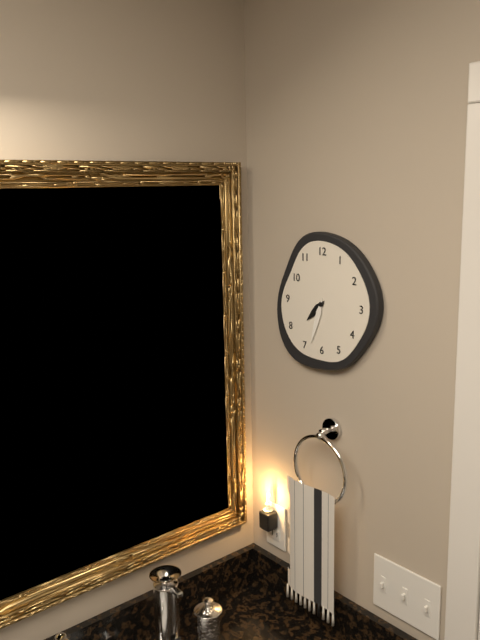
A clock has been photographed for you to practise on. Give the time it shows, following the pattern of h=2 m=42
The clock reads h=7 m=33
